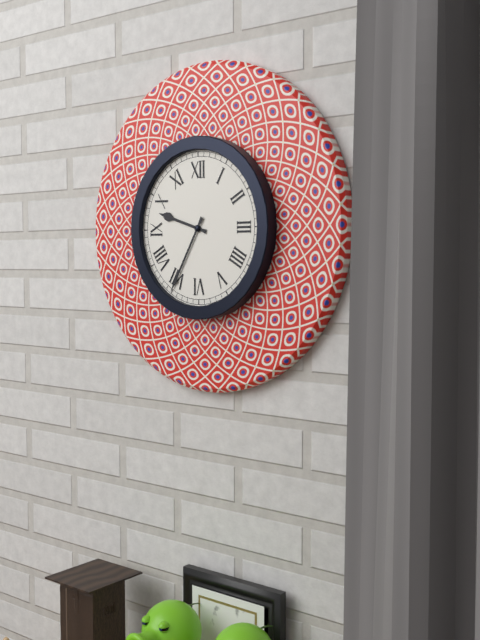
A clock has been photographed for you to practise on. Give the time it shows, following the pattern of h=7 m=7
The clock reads h=9 m=35
